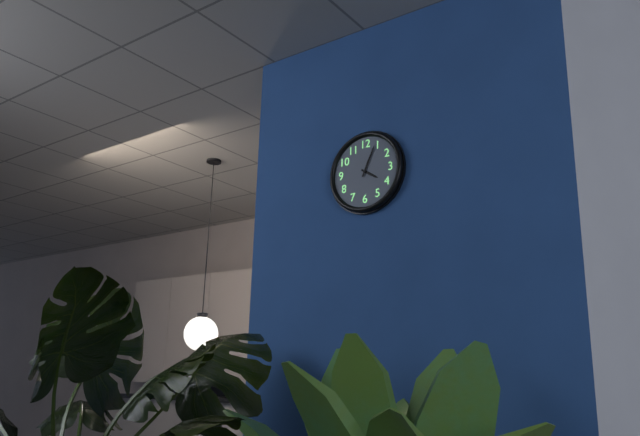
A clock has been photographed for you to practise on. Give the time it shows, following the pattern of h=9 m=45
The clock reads h=4 m=4
